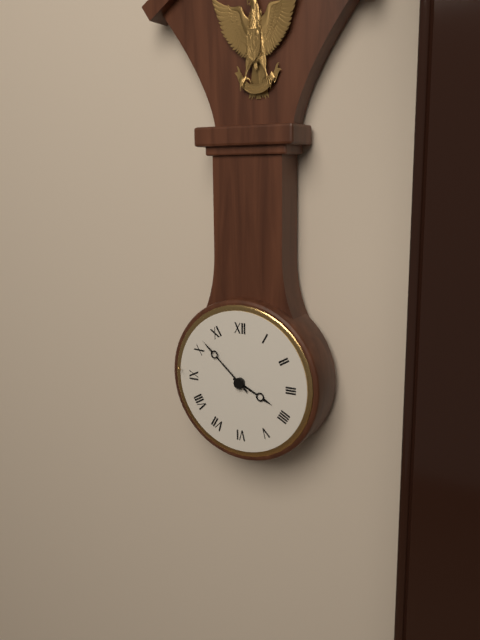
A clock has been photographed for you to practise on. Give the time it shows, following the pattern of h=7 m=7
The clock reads h=3 m=52
